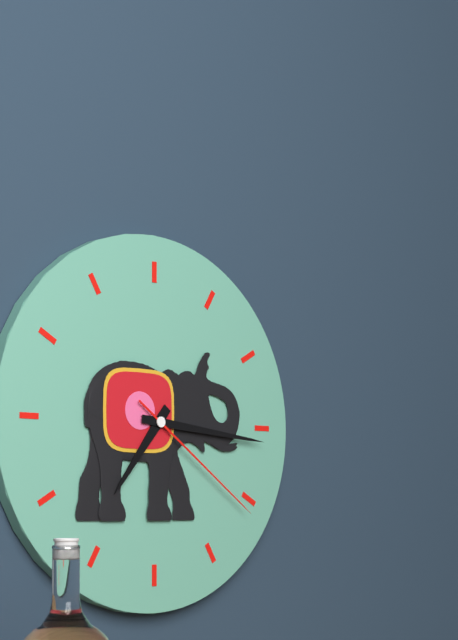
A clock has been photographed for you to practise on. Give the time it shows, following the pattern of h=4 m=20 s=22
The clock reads h=7 m=16 s=21
